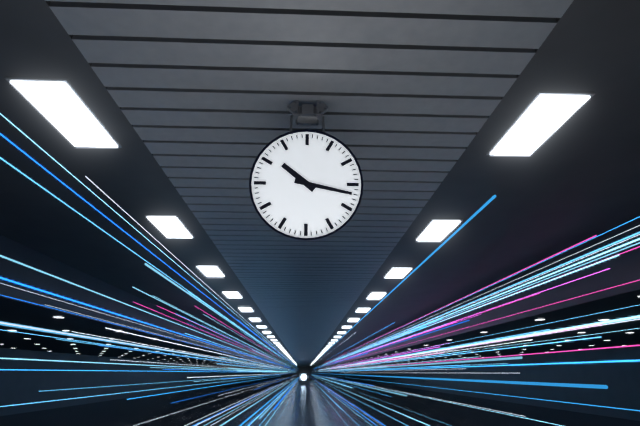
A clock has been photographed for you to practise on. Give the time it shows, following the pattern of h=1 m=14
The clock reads h=10 m=17
